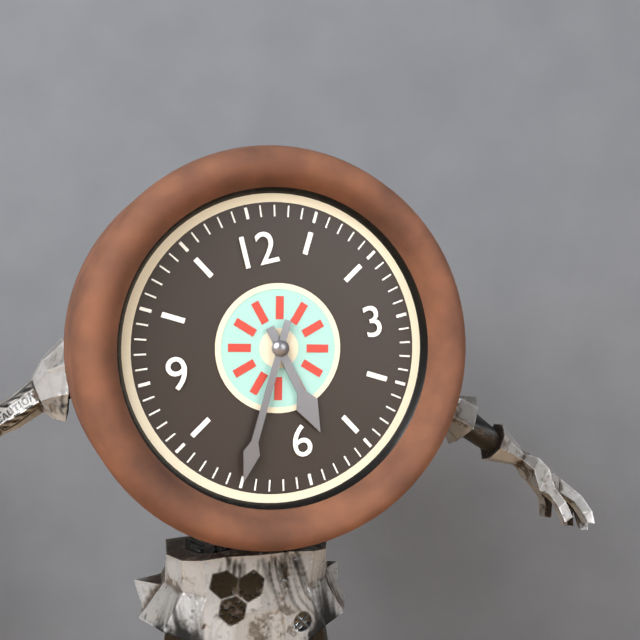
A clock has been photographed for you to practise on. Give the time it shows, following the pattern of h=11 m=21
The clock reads h=5 m=35
